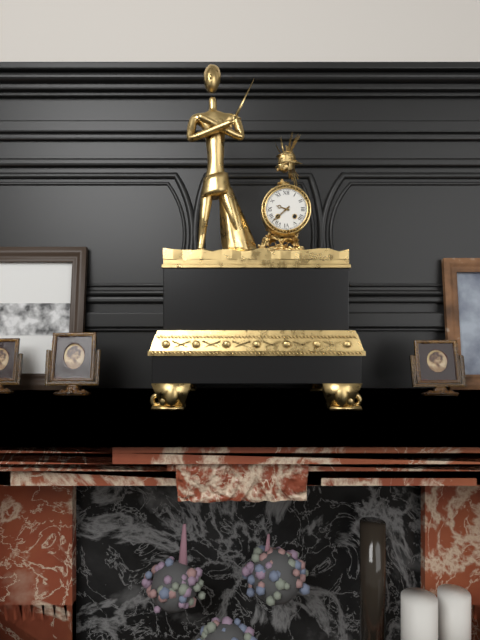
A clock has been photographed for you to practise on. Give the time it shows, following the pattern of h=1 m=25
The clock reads h=9 m=38
